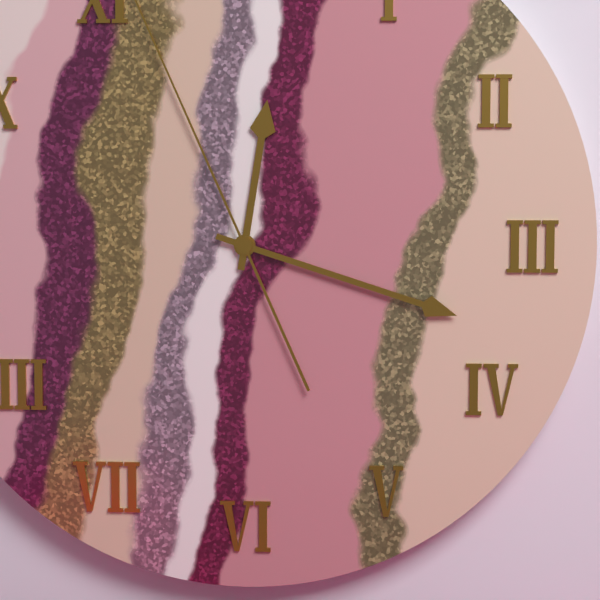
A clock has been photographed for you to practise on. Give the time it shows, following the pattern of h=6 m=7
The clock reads h=12 m=18
